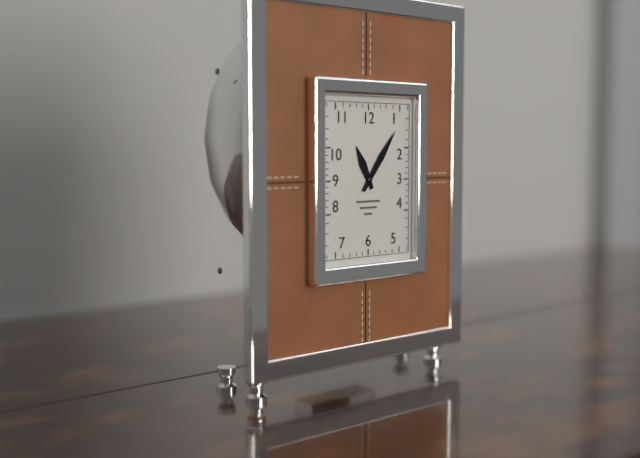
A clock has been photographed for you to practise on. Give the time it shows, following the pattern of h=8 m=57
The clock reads h=11 m=6
